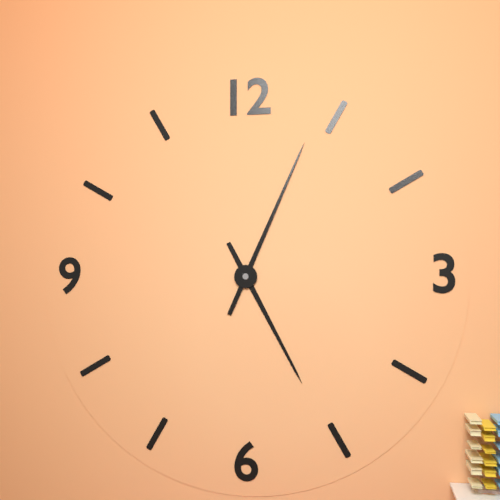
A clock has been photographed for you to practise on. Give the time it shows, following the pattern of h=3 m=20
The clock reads h=5 m=4
